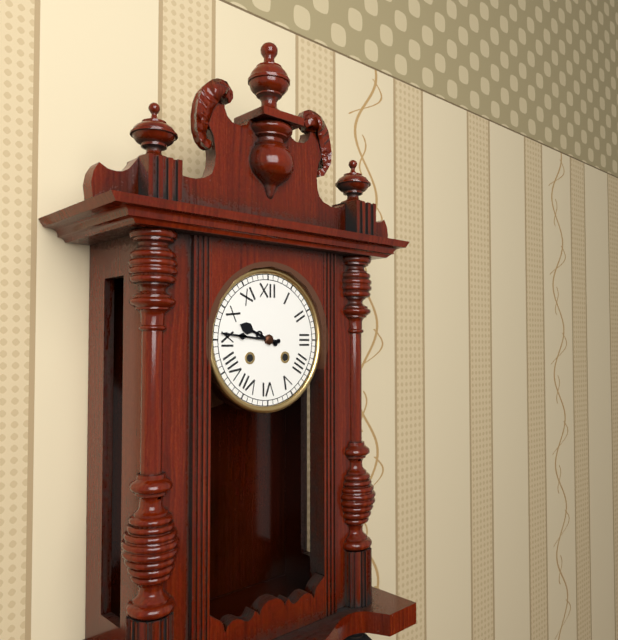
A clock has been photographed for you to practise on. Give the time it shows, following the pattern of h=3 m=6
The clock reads h=9 m=46
